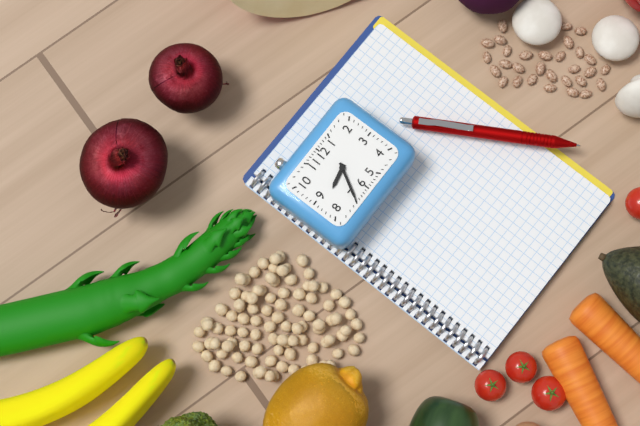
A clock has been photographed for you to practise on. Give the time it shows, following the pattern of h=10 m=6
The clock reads h=8 m=35
